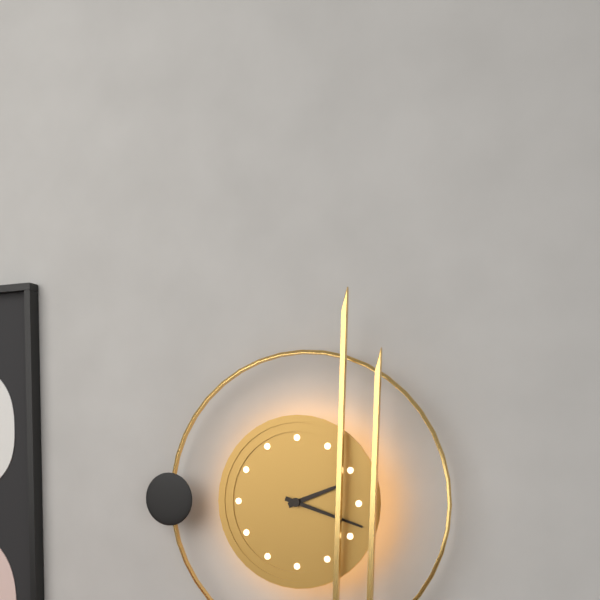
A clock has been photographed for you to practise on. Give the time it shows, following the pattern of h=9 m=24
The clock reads h=2 m=18
